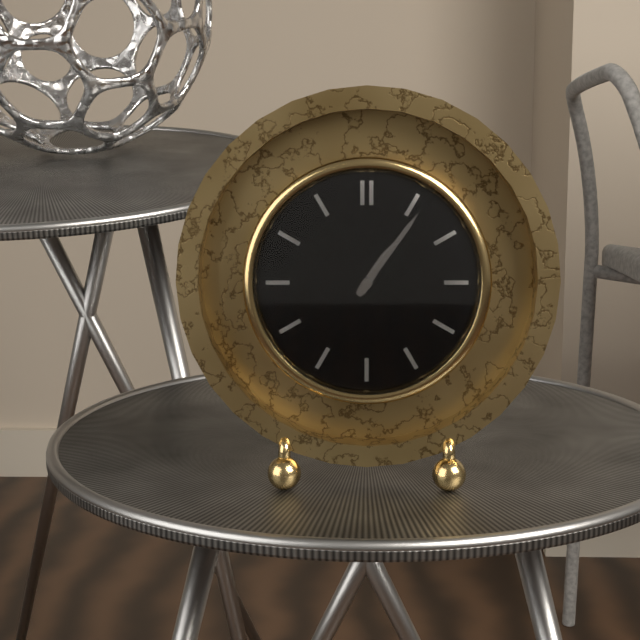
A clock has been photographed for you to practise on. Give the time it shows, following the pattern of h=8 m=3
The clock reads h=1 m=6
